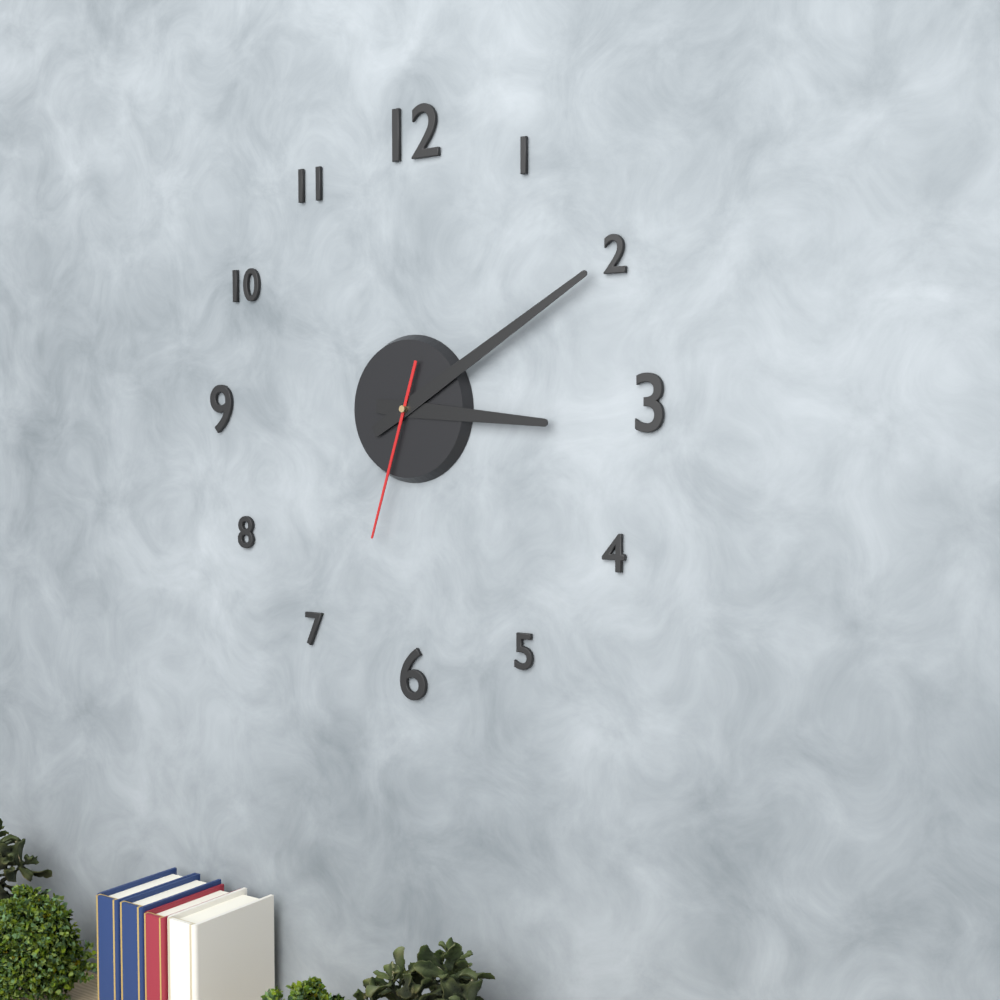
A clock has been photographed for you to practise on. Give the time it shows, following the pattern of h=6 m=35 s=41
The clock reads h=3 m=10 s=33
